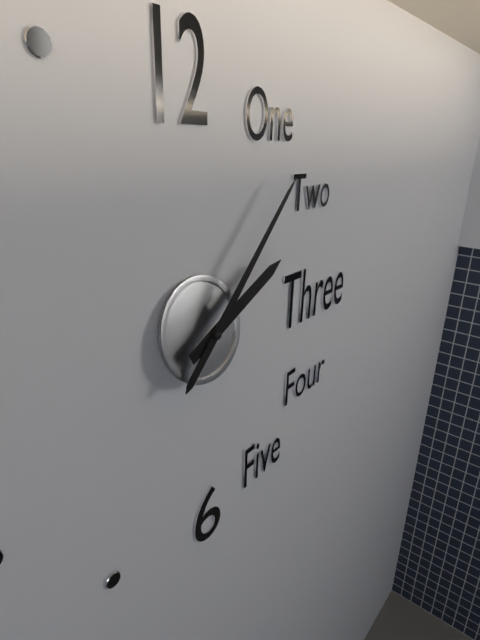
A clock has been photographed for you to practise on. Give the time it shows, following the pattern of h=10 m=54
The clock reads h=2 m=7
